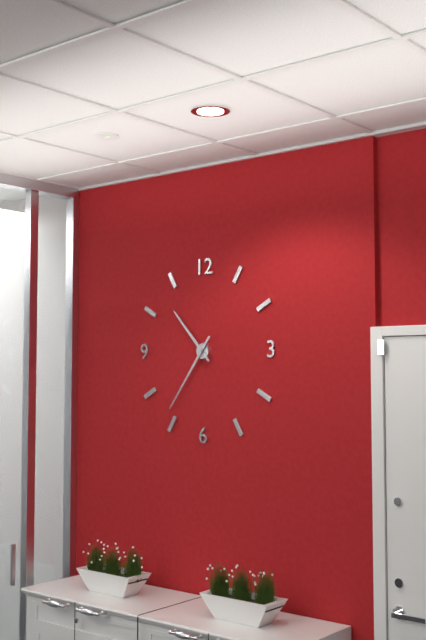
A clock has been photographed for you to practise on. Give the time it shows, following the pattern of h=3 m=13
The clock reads h=10 m=36
